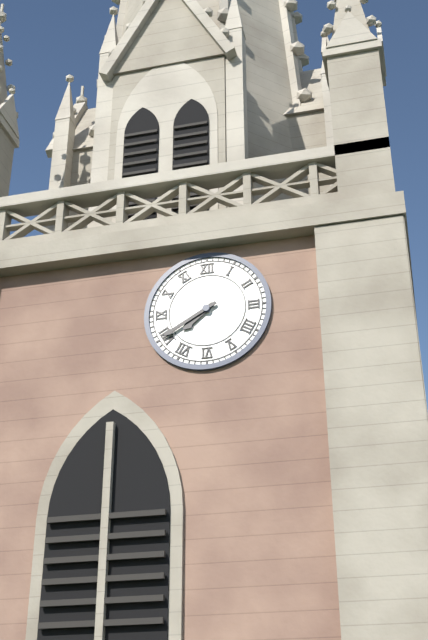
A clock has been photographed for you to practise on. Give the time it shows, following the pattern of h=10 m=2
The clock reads h=7 m=40
